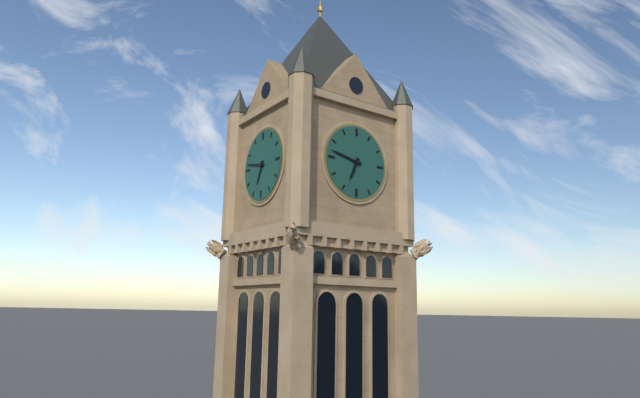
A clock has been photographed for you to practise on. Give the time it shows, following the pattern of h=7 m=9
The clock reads h=6 m=47
